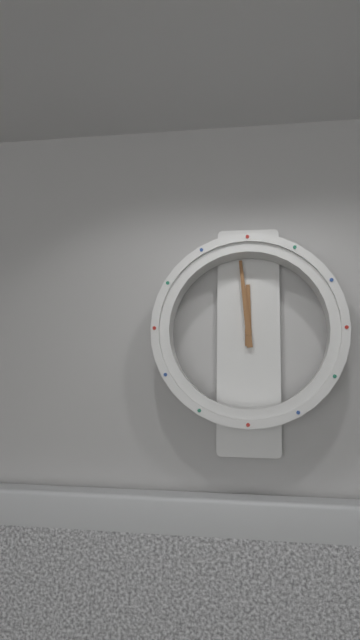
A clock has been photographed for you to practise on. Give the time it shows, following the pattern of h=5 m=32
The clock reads h=11 m=59
